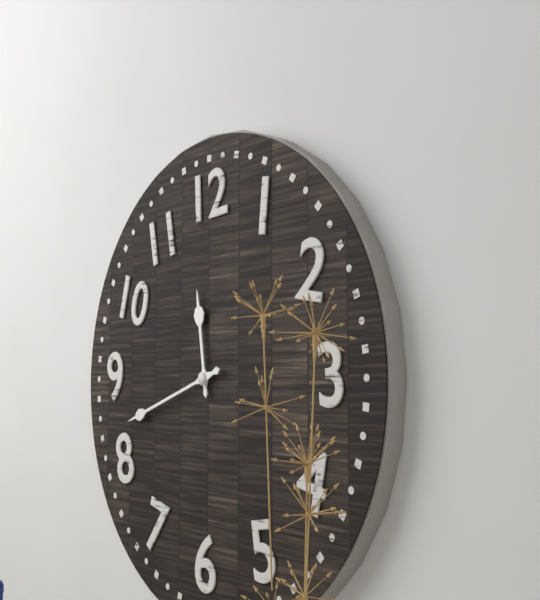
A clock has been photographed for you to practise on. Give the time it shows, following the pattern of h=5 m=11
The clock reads h=11 m=42
